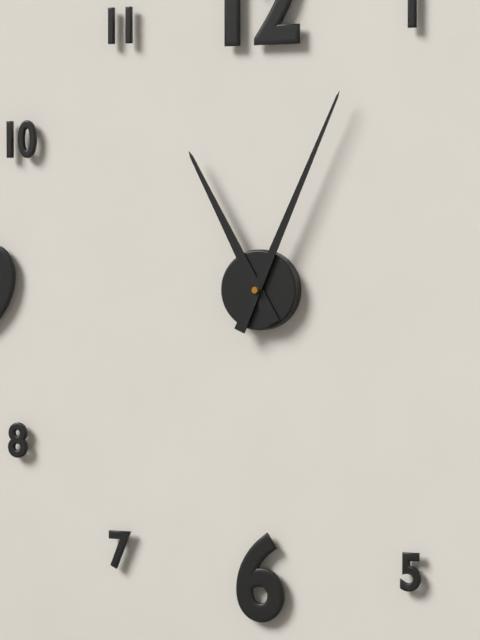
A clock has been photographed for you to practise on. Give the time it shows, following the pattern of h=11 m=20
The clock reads h=11 m=4
